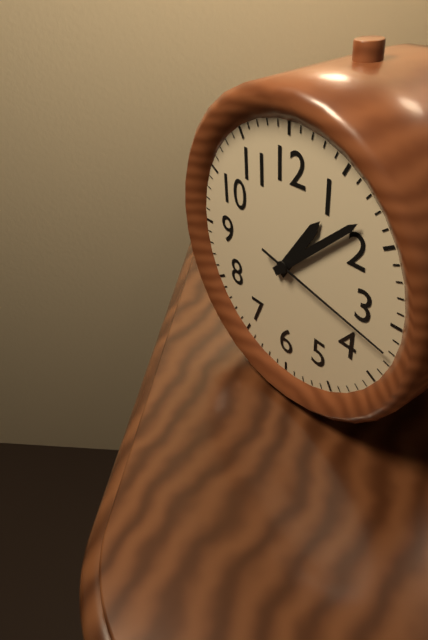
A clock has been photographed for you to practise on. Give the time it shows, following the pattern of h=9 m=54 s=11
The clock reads h=1 m=8 s=17
